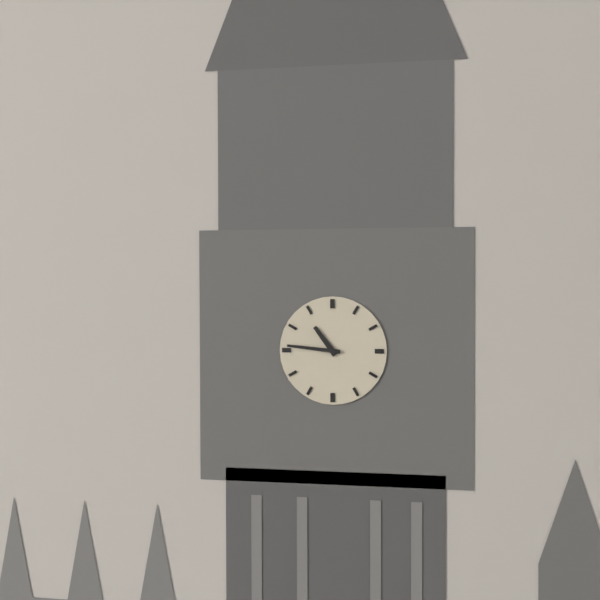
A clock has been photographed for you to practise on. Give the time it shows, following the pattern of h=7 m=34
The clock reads h=10 m=46
